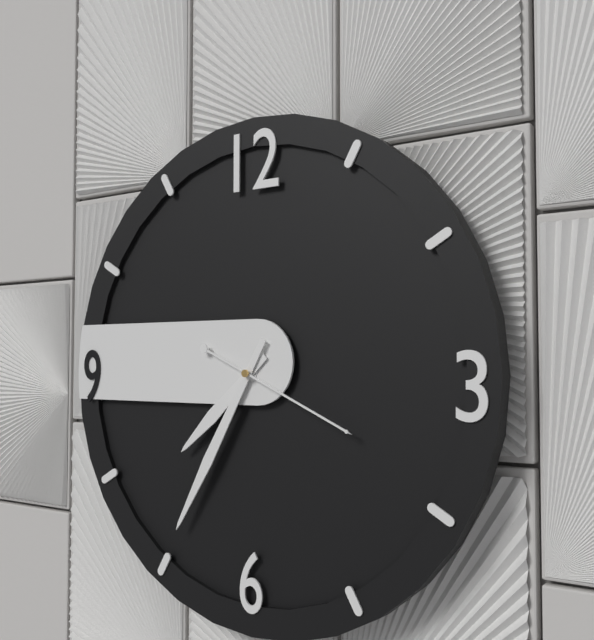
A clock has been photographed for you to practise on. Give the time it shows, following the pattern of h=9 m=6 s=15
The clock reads h=7 m=35 s=19
